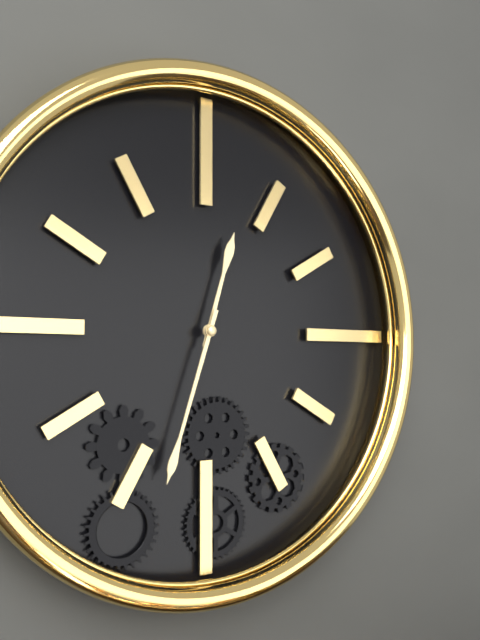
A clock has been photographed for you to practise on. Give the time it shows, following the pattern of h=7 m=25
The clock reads h=12 m=33
